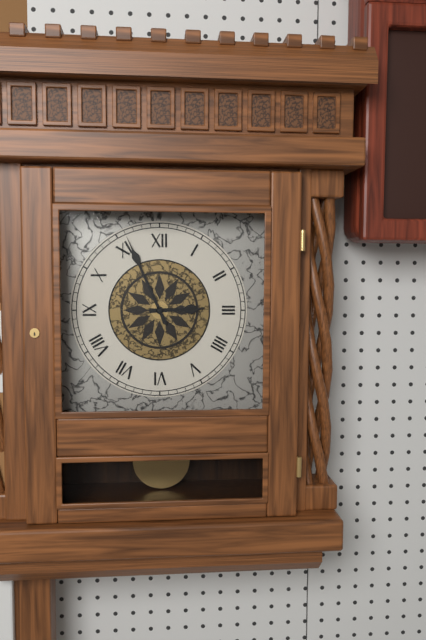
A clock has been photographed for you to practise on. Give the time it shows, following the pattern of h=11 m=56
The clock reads h=2 m=56
